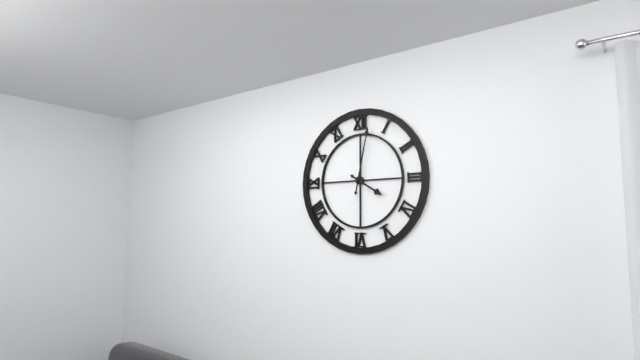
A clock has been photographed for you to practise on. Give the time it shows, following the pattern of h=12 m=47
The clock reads h=4 m=2
